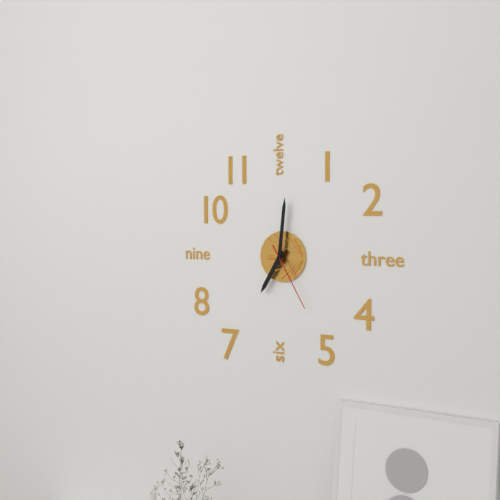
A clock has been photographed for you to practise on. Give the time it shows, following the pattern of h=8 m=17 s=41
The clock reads h=7 m=1 s=25
